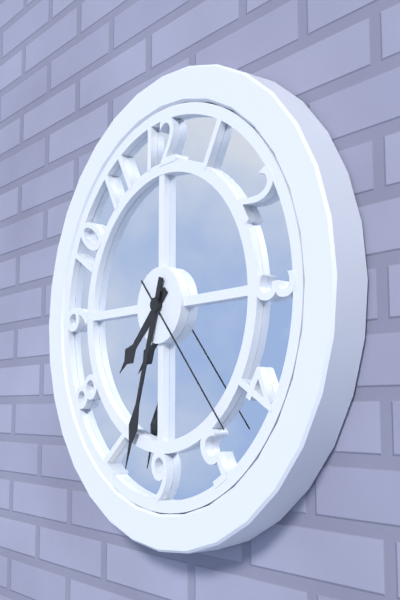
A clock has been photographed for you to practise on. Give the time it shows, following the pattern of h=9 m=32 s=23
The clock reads h=7 m=33 s=23
